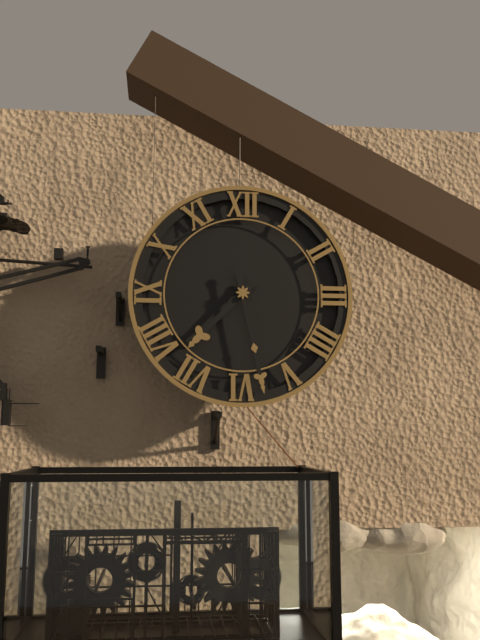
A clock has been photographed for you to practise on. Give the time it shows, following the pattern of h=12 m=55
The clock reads h=7 m=28
